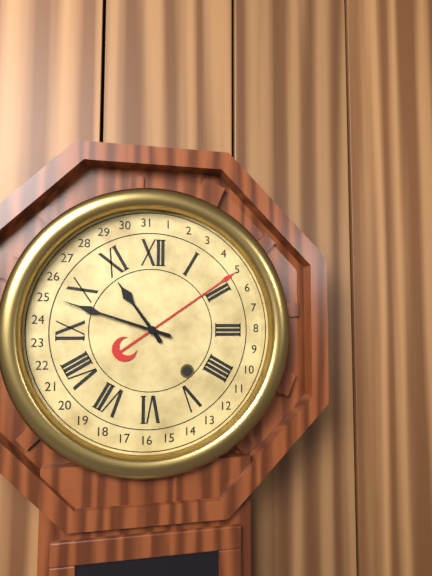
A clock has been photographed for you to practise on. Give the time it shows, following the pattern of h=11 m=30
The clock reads h=10 m=48
